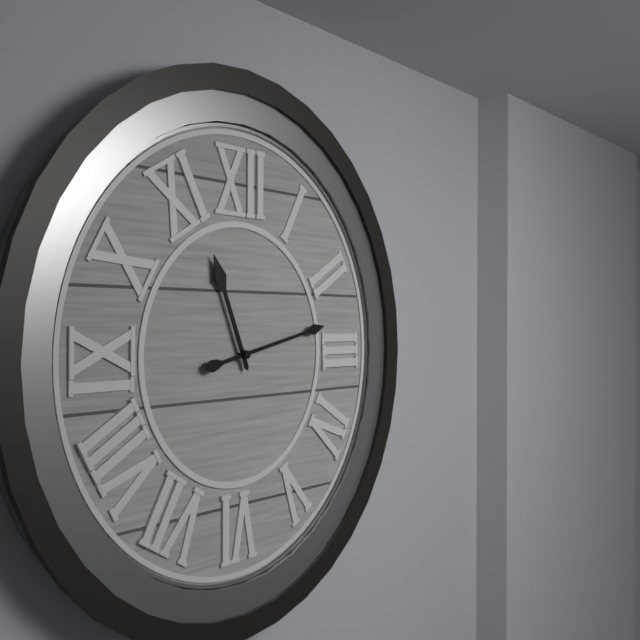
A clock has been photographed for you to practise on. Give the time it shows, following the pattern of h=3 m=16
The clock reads h=11 m=13
